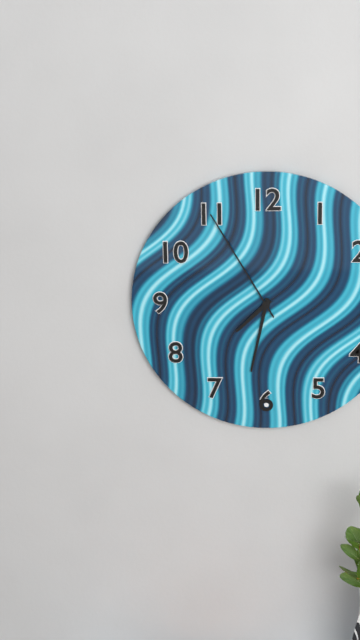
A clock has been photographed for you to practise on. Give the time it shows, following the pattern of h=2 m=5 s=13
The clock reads h=7 m=32 s=55
